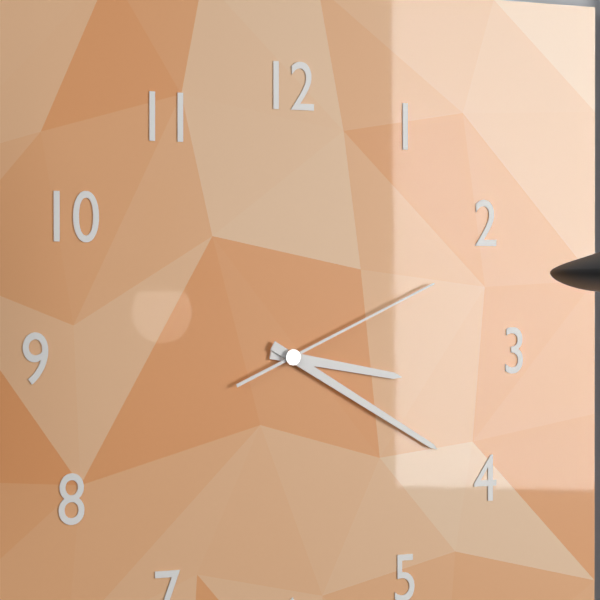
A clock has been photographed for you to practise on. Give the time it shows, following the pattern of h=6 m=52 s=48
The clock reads h=3 m=20 s=11
